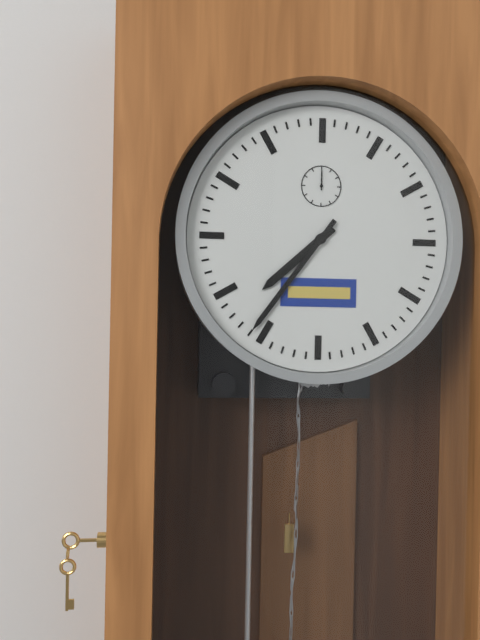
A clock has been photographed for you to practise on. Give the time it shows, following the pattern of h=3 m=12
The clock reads h=7 m=36
